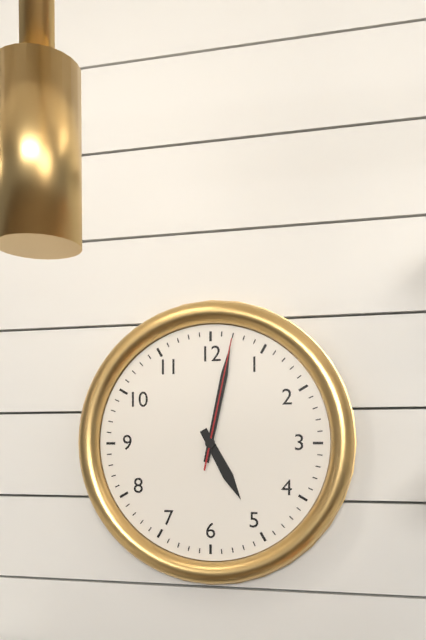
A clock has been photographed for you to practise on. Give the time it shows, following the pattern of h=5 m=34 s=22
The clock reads h=5 m=2 s=2
